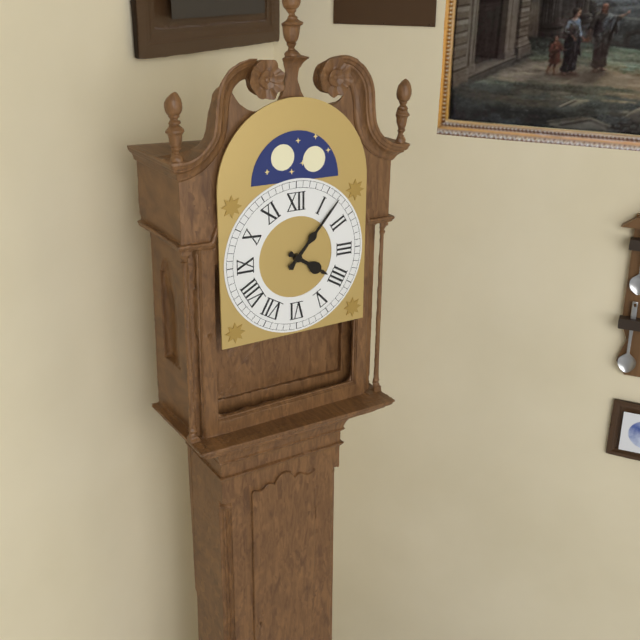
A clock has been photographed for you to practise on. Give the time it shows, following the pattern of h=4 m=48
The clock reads h=4 m=7
